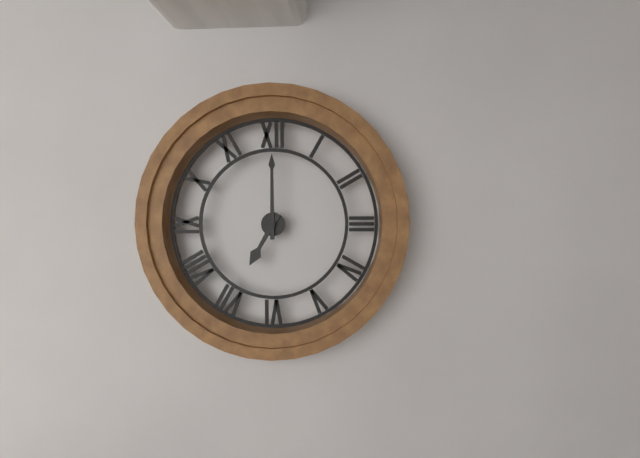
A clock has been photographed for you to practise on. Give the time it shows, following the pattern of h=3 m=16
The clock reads h=7 m=0
